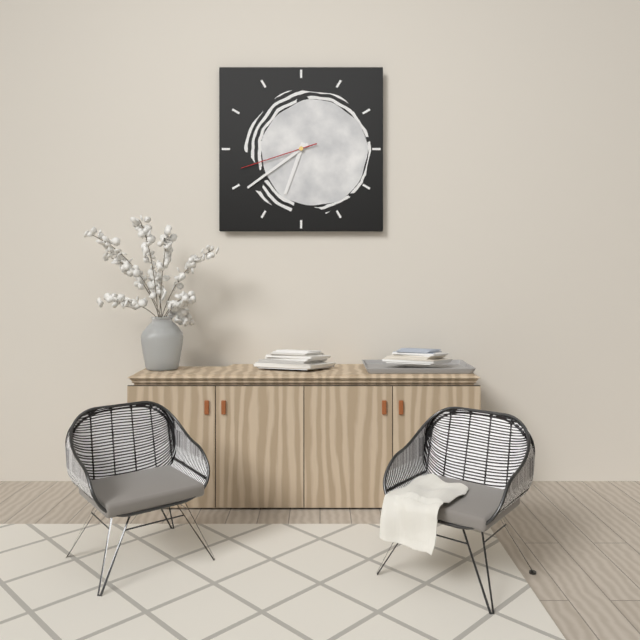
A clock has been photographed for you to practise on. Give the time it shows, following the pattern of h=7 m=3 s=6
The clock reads h=6 m=39 s=42
